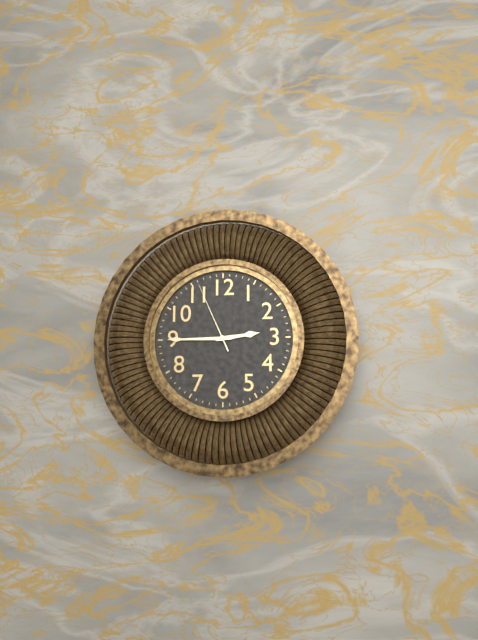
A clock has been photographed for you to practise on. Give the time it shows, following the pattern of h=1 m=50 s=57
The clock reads h=2 m=45 s=56
